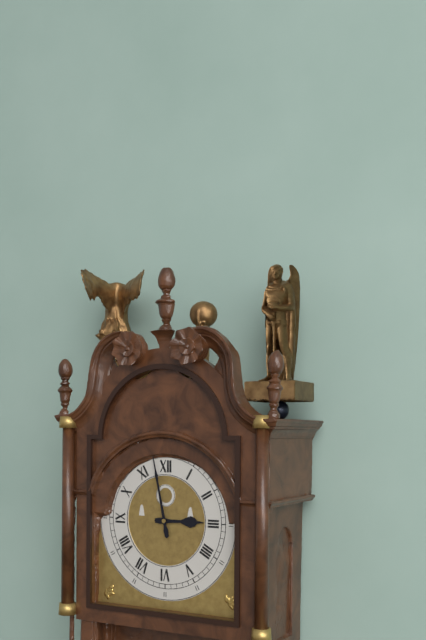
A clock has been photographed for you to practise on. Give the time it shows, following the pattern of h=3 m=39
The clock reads h=2 m=58
